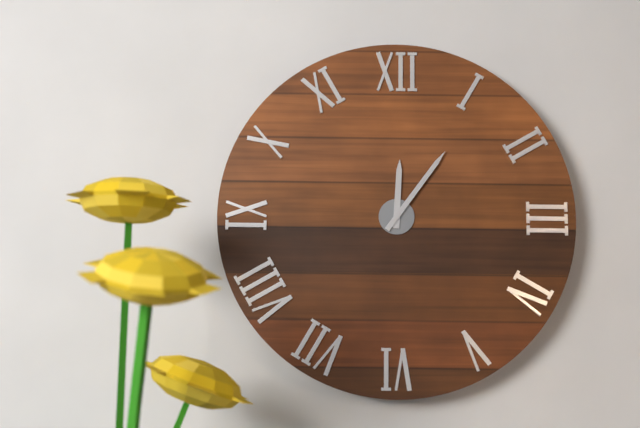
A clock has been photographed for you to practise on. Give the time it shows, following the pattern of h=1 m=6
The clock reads h=12 m=6
